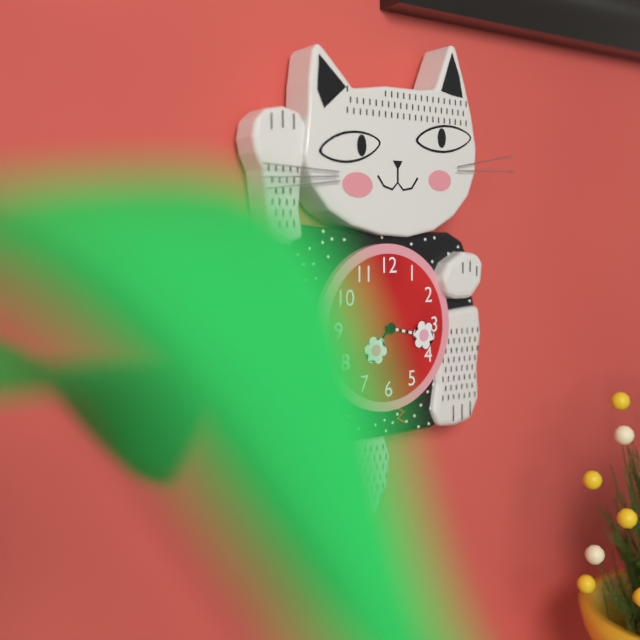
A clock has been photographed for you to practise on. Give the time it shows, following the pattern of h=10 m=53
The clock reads h=7 m=17
